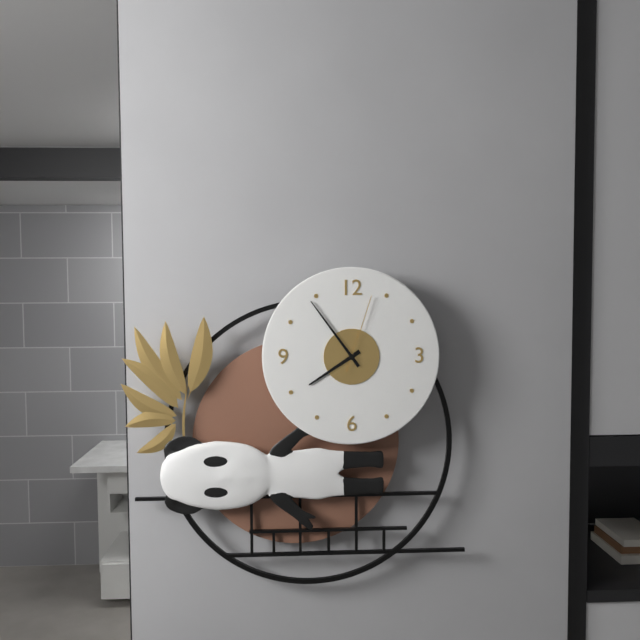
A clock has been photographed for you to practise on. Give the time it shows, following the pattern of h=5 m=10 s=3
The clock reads h=7 m=54 s=3
